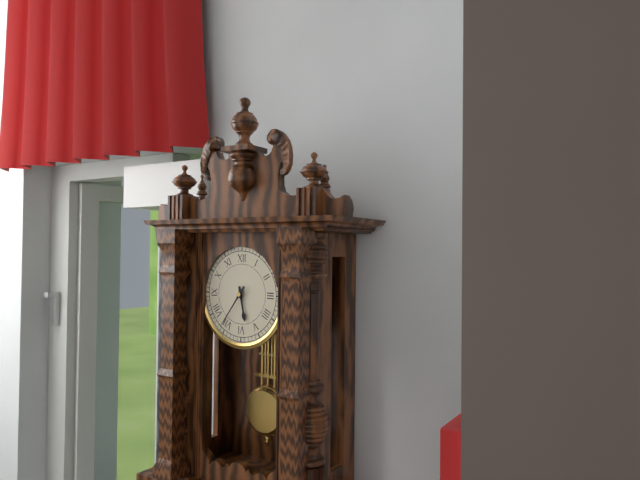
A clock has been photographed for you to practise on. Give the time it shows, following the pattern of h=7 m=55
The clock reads h=5 m=36
